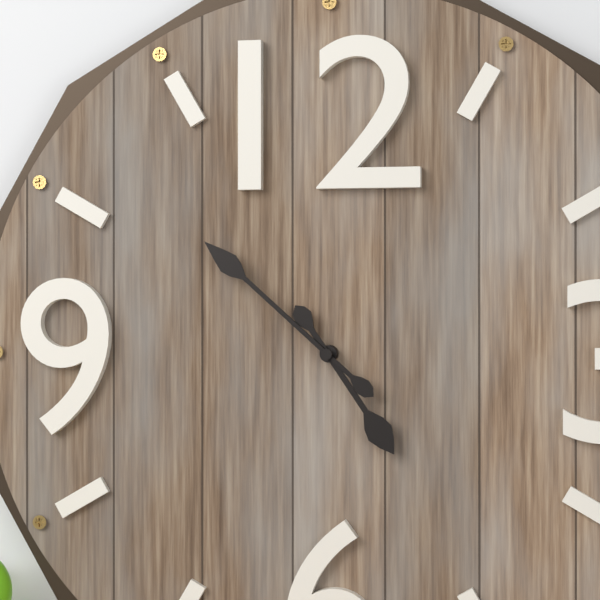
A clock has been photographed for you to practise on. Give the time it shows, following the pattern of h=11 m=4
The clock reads h=4 m=52
